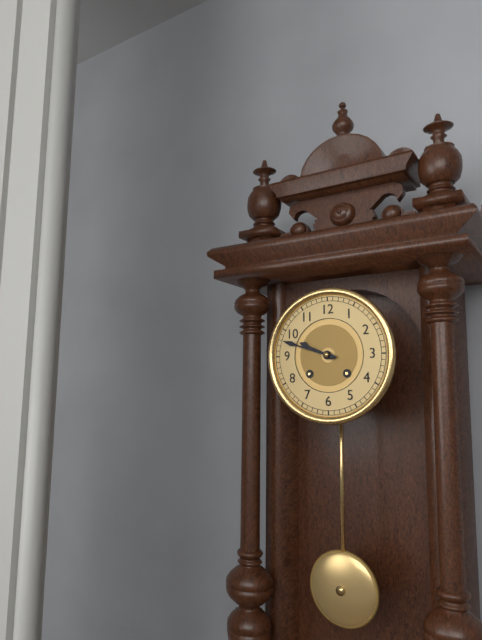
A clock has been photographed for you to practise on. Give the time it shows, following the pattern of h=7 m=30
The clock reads h=9 m=48
